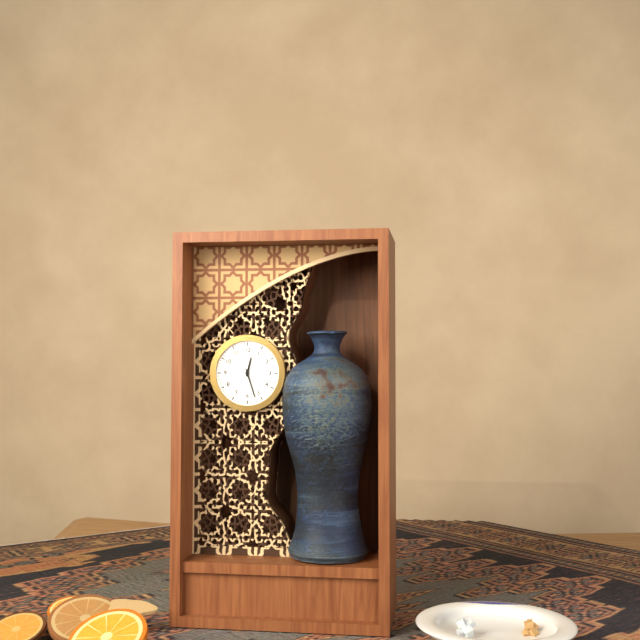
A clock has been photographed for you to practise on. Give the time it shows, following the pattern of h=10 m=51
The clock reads h=12 m=27
